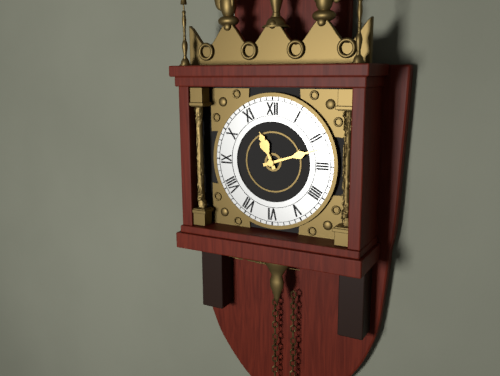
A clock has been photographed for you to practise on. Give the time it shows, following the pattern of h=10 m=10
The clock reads h=11 m=12
